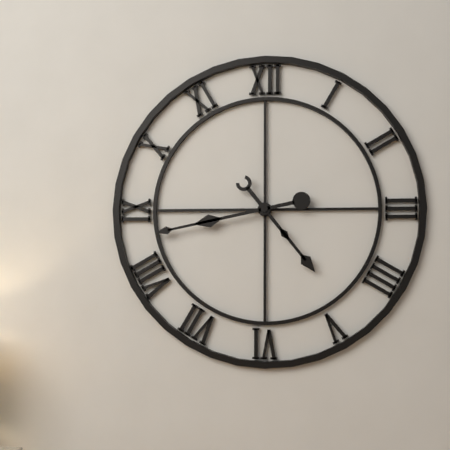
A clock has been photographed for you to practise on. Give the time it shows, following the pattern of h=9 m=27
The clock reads h=4 m=43
